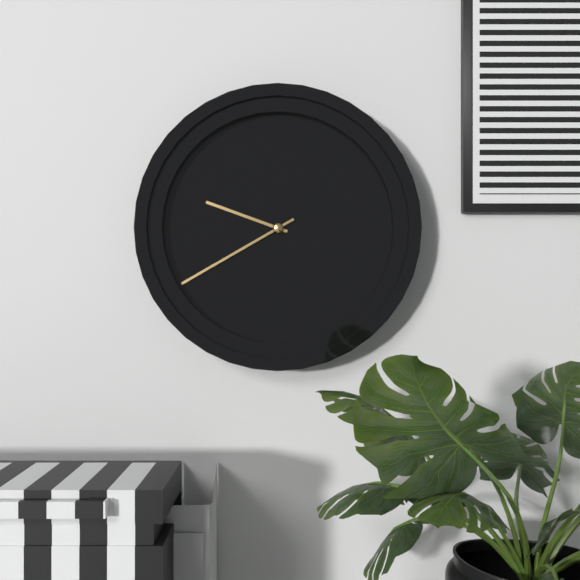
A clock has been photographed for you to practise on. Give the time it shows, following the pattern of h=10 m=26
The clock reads h=9 m=40
